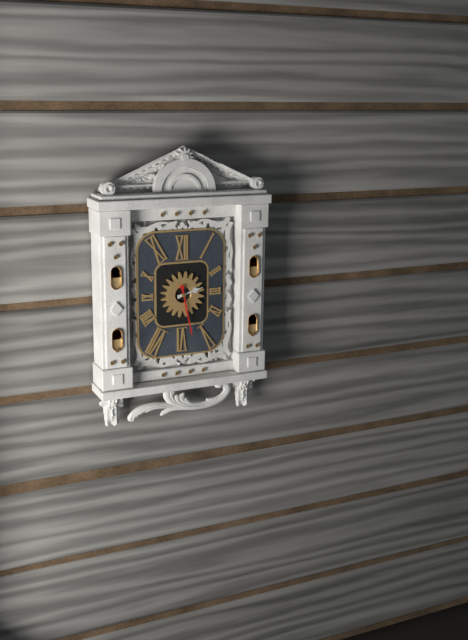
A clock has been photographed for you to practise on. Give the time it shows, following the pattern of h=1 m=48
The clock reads h=2 m=28
